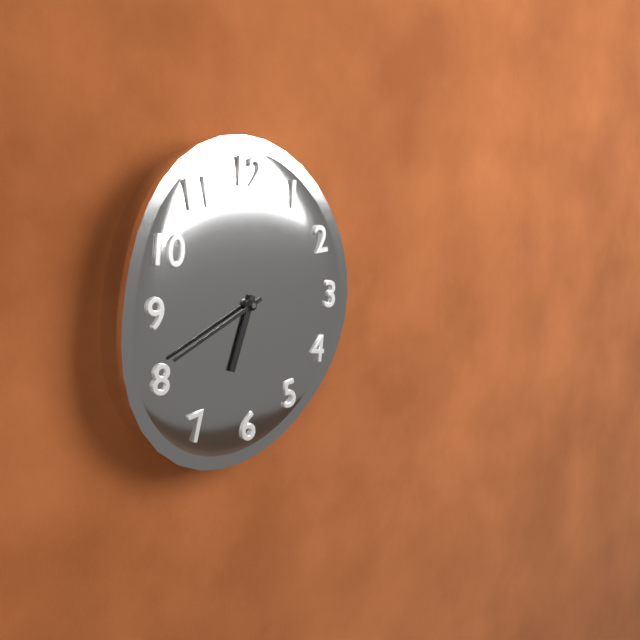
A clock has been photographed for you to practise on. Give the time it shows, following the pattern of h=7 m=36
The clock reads h=6 m=41
